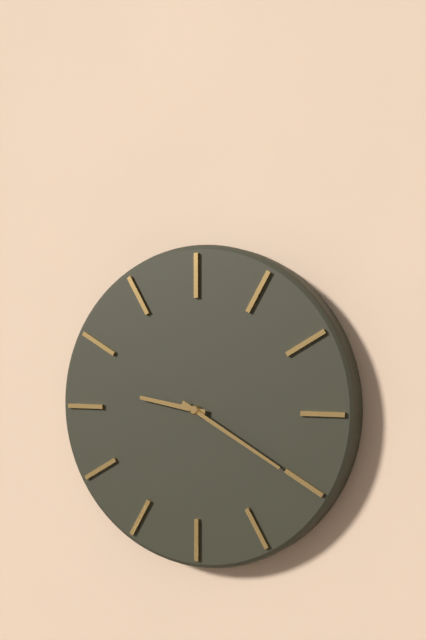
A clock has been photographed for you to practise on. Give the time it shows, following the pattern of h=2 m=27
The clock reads h=9 m=20
